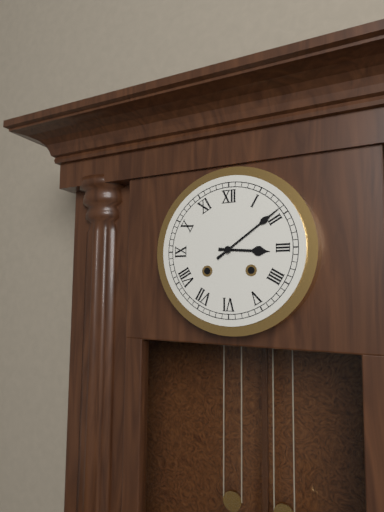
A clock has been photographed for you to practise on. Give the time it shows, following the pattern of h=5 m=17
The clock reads h=3 m=9
